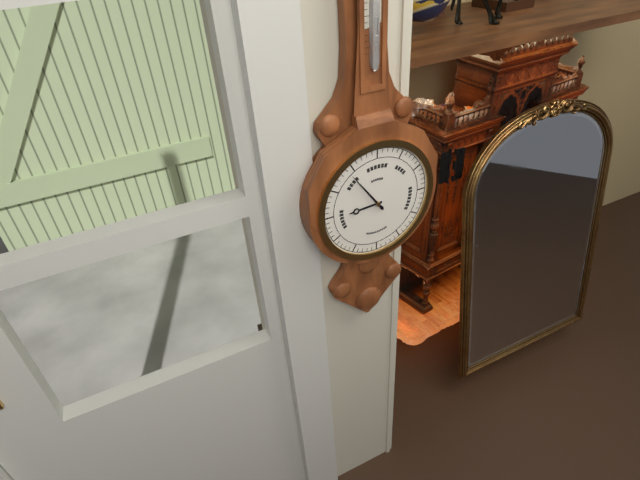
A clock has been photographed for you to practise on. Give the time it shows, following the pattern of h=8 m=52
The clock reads h=8 m=54
